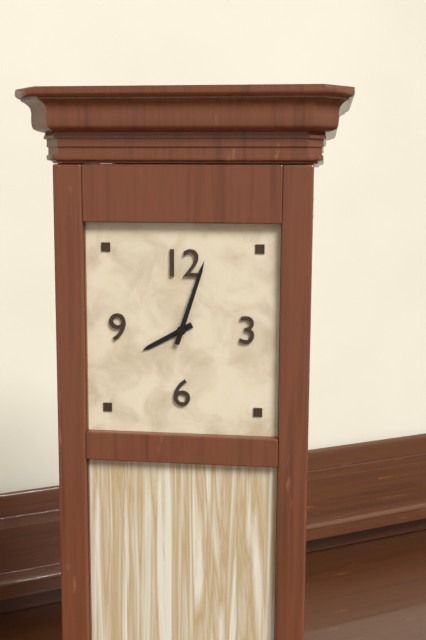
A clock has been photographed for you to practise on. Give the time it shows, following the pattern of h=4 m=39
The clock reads h=8 m=3
